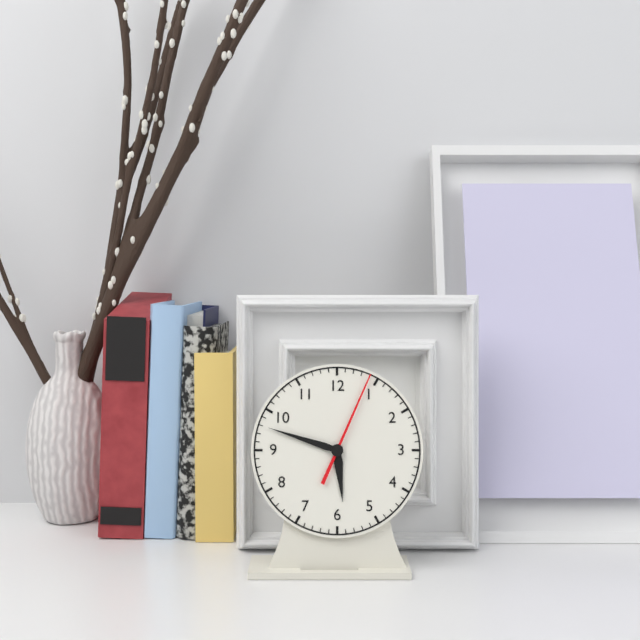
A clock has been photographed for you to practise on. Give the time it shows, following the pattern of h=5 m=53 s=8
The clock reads h=5 m=48 s=4
